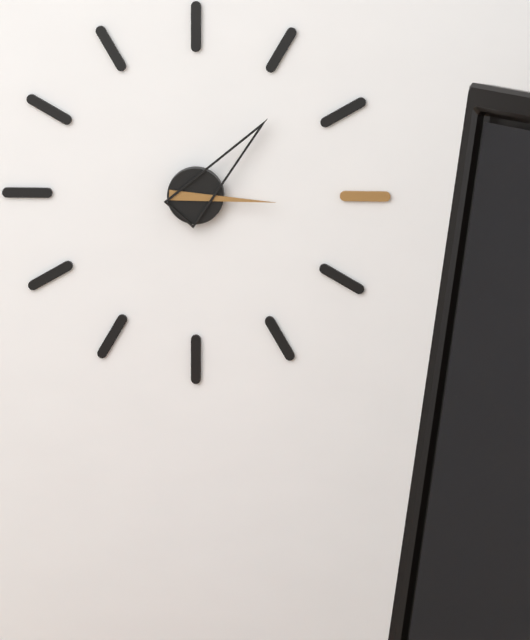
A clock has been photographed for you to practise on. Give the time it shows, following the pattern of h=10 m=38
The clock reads h=3 m=7
